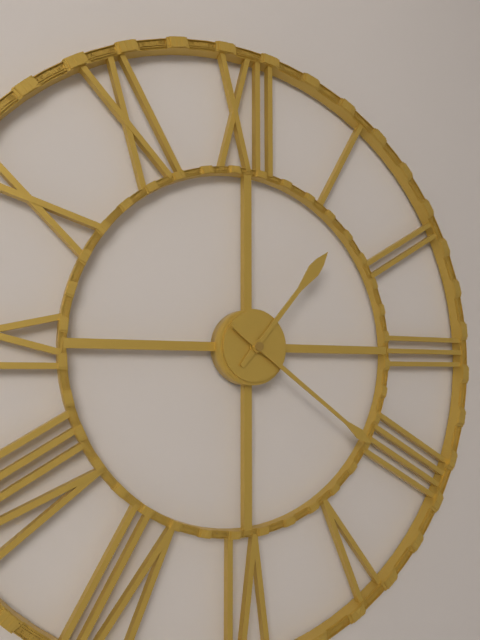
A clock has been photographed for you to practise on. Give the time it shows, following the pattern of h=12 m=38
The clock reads h=1 m=21
